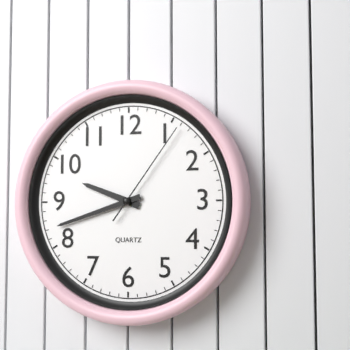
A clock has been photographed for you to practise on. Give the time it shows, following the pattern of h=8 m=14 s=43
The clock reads h=9 m=42 s=6
